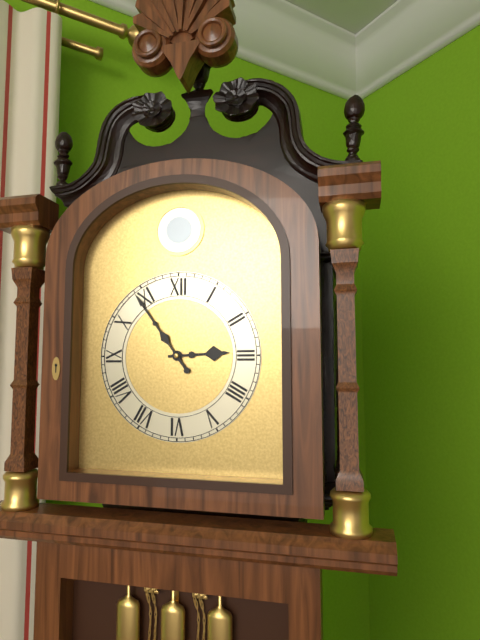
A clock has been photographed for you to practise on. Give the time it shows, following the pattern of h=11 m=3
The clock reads h=2 m=54
